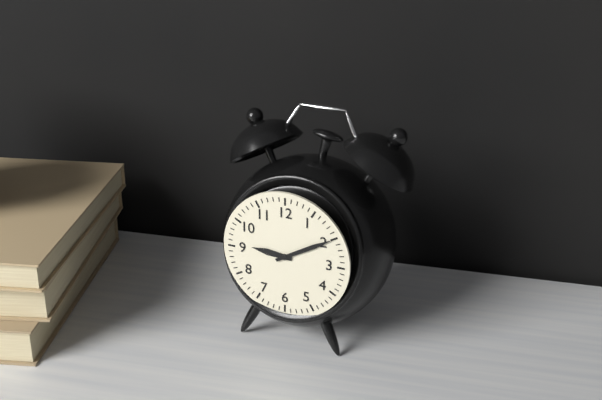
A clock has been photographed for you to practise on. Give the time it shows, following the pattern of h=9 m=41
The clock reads h=9 m=10
